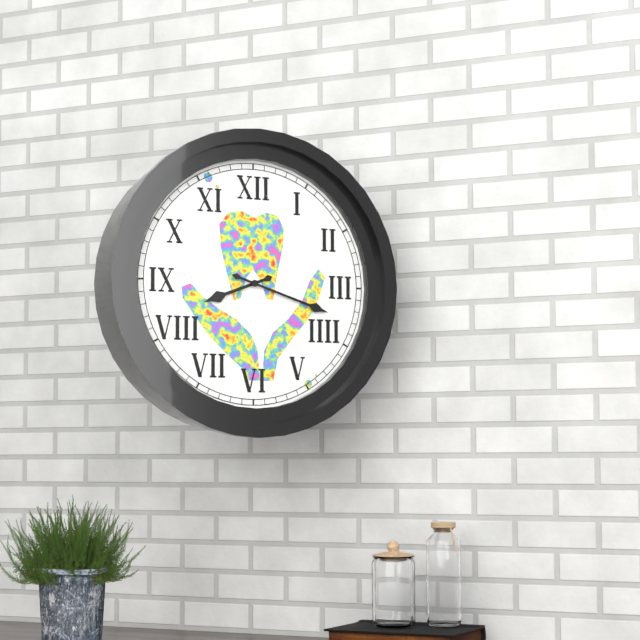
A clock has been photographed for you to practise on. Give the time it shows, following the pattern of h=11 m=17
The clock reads h=8 m=18
